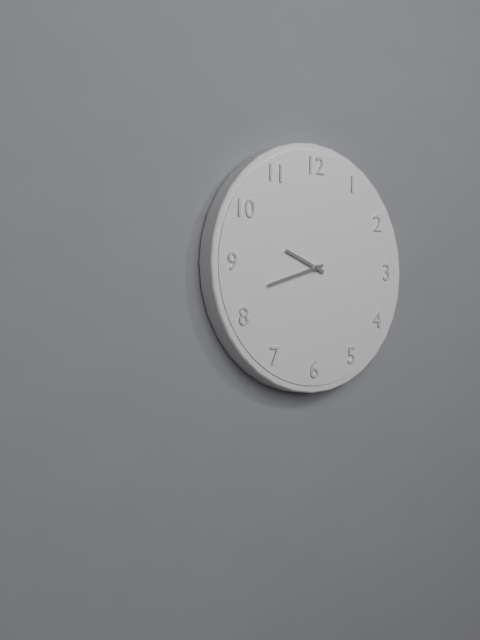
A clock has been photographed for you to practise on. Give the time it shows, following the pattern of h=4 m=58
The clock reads h=9 m=42
